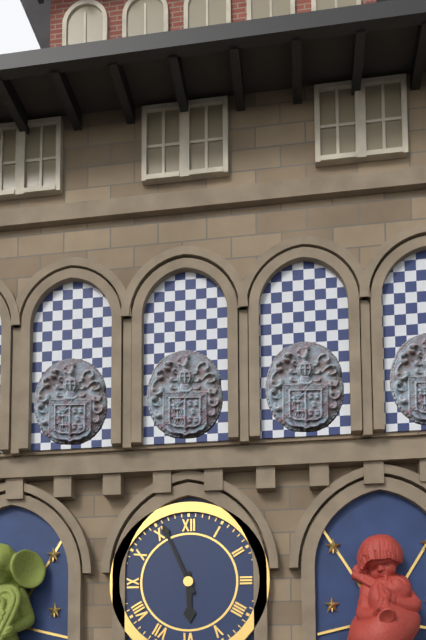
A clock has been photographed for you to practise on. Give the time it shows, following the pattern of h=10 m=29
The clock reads h=5 m=56
